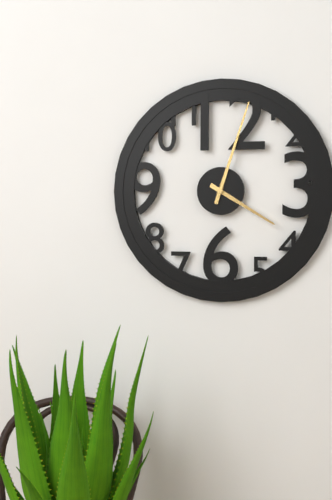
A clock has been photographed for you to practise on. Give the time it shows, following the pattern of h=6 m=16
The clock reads h=4 m=3
